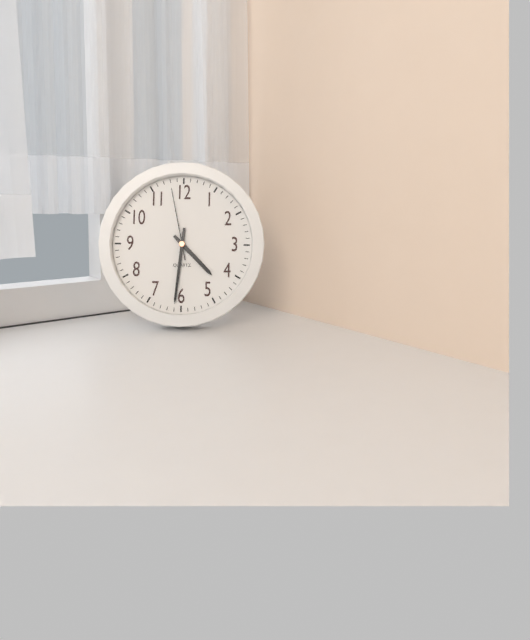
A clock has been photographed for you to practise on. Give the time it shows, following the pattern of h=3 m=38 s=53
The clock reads h=4 m=31 s=58
